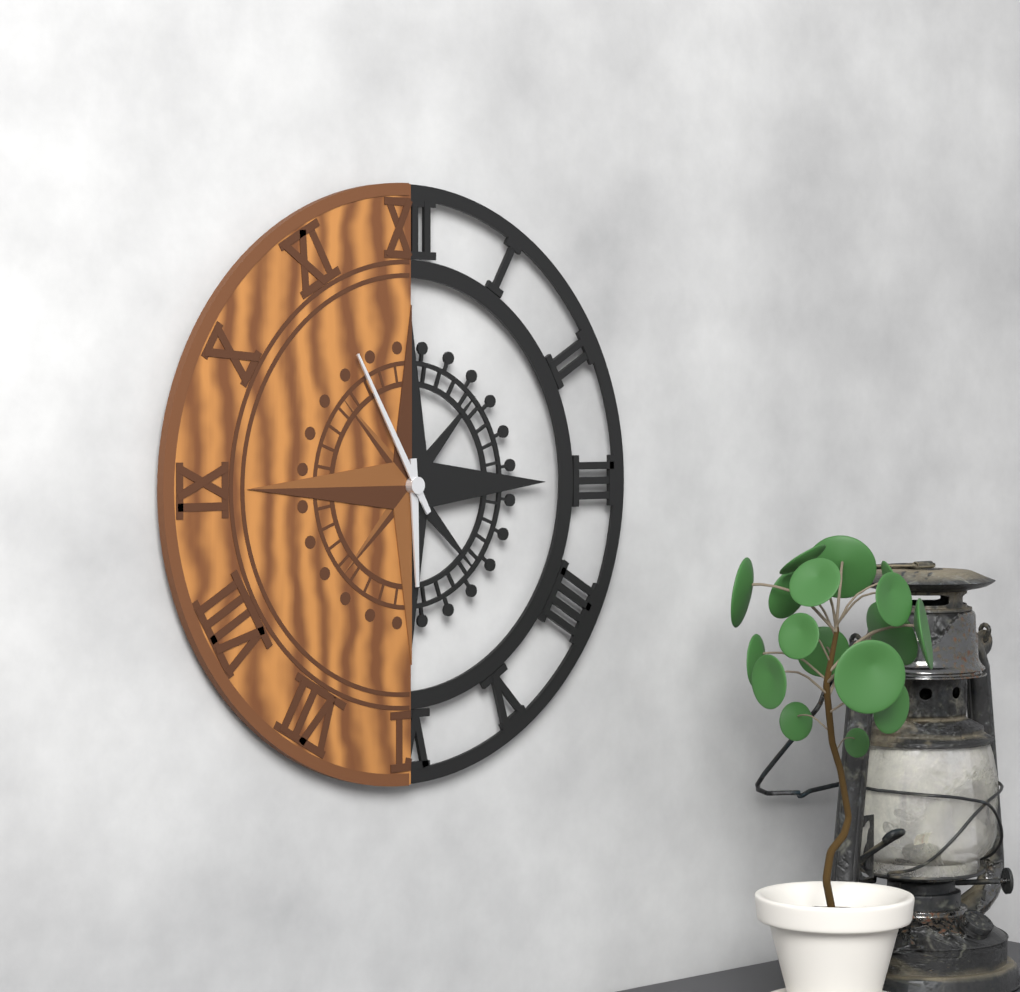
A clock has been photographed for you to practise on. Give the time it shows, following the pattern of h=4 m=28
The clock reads h=5 m=55
